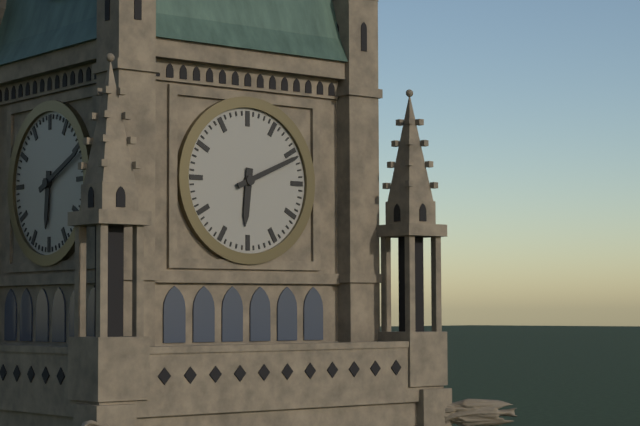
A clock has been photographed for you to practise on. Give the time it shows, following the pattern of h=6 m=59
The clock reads h=6 m=11
